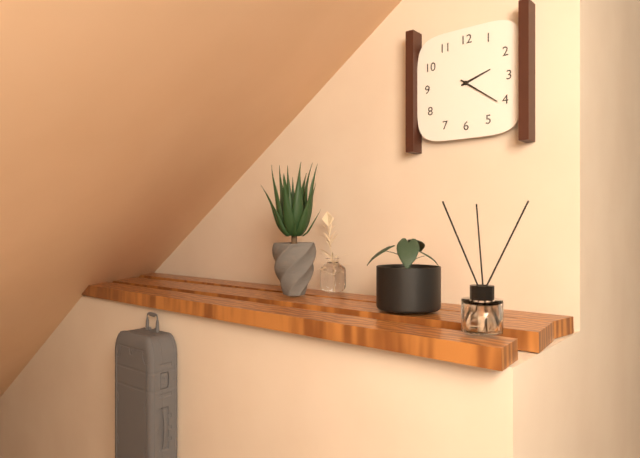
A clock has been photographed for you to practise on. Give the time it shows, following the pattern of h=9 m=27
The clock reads h=2 m=21
